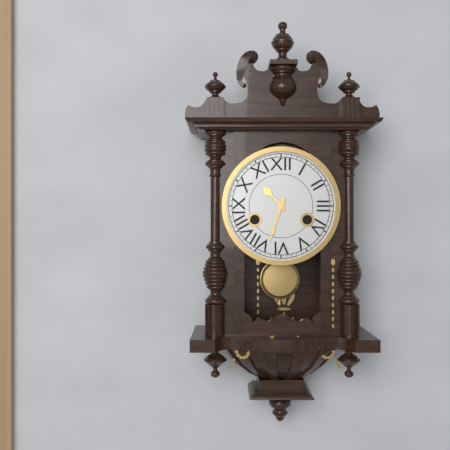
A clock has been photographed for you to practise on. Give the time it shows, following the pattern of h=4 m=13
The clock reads h=10 m=33
